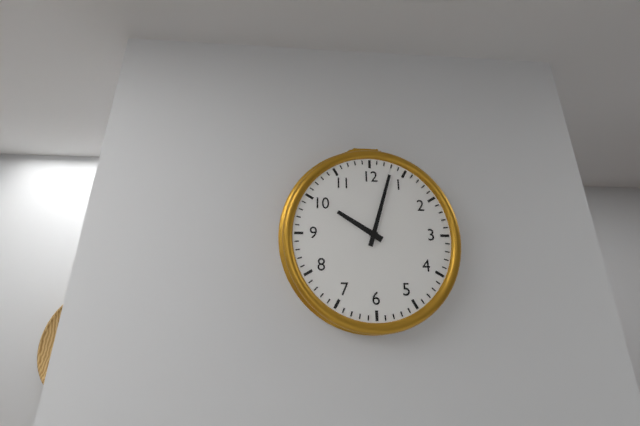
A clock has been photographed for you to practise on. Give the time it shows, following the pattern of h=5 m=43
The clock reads h=10 m=3
